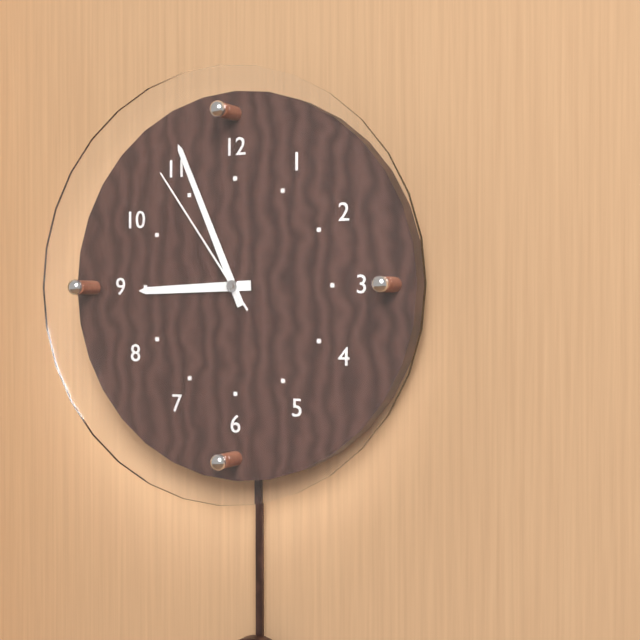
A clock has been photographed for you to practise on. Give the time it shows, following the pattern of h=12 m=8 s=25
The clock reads h=8 m=56 s=54
